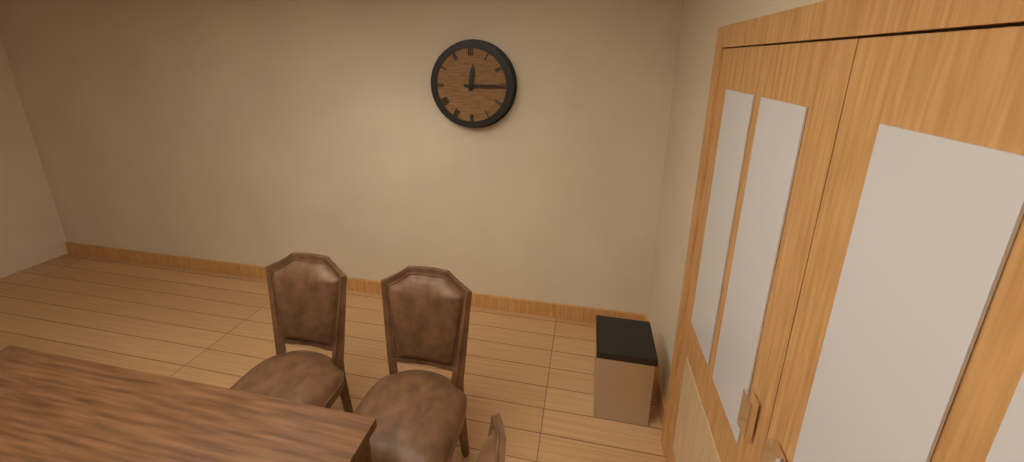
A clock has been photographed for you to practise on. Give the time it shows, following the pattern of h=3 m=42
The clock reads h=12 m=15
